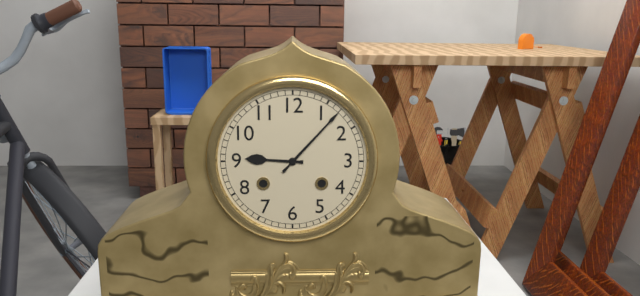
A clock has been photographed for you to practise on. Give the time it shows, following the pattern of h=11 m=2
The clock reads h=9 m=7
